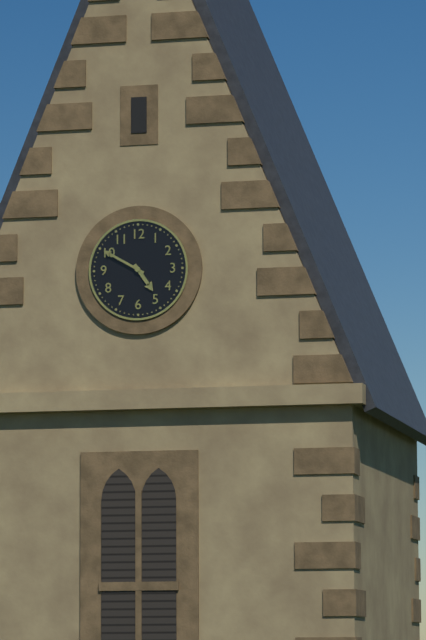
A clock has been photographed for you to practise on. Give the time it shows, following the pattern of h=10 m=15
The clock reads h=4 m=50
